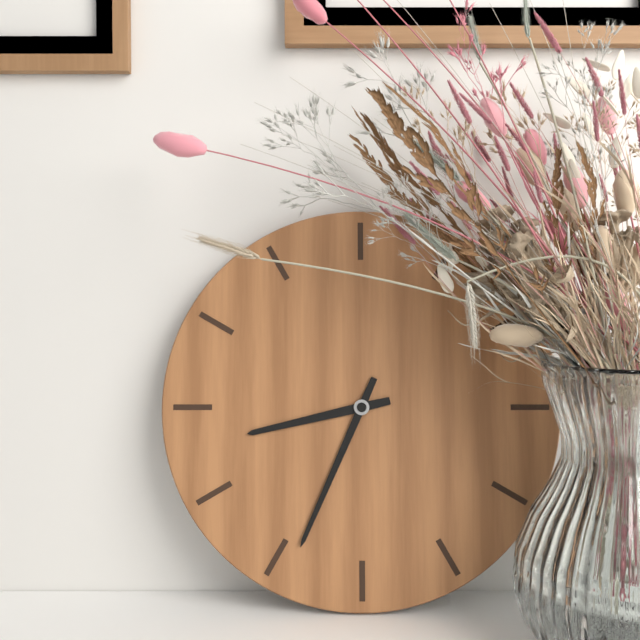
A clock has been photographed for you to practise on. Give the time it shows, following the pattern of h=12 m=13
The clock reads h=8 m=34
